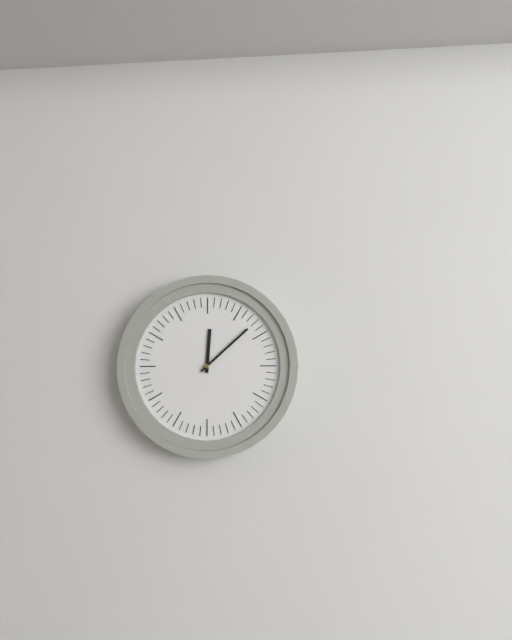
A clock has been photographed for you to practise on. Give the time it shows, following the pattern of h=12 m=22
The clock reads h=12 m=8
